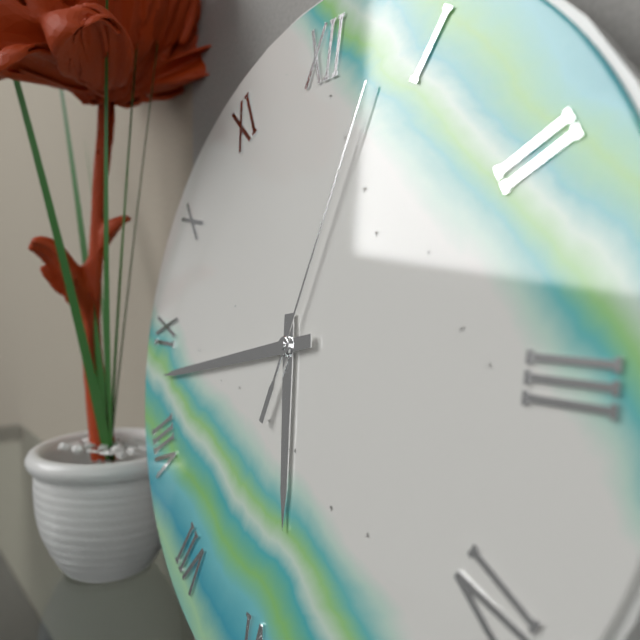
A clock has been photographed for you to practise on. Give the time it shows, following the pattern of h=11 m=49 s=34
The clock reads h=5 m=43 s=3
